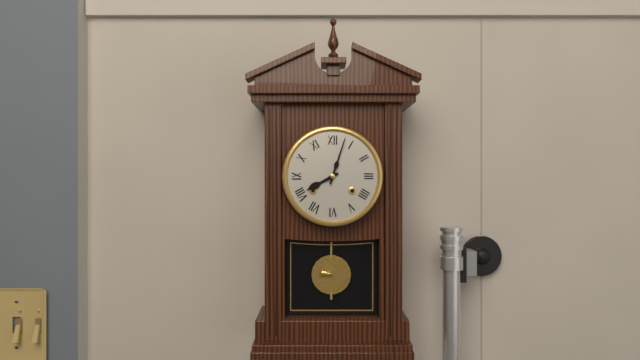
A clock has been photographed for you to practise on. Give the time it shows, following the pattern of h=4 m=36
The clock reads h=8 m=3
